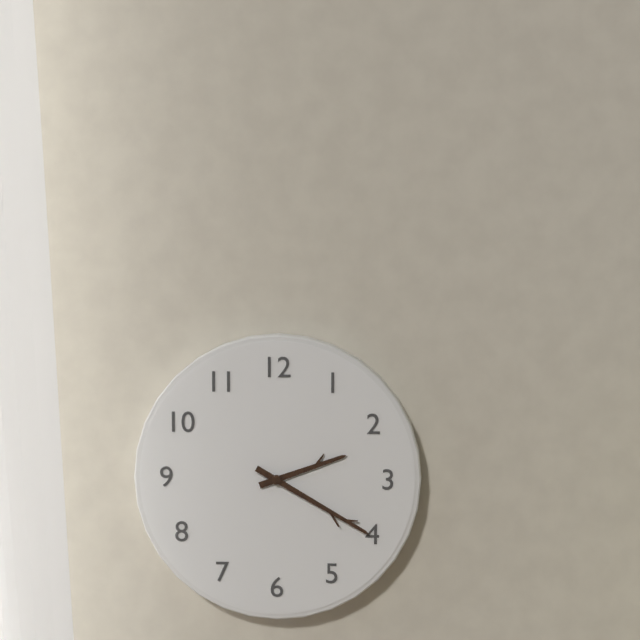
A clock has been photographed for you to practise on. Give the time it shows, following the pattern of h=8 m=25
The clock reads h=2 m=20
